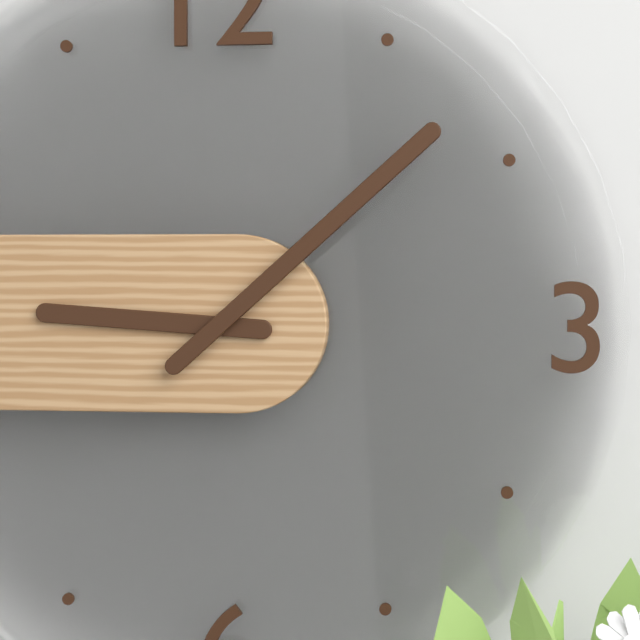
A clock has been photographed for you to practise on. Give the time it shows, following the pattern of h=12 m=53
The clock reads h=9 m=8
